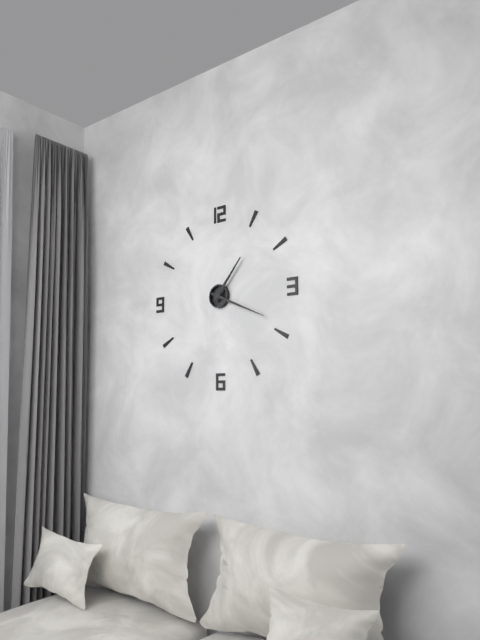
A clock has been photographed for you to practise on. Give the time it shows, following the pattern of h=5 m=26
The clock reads h=1 m=19
